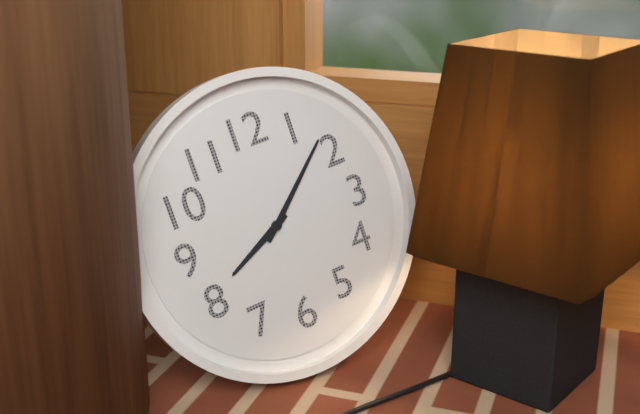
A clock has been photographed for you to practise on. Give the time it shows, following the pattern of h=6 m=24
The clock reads h=8 m=8
